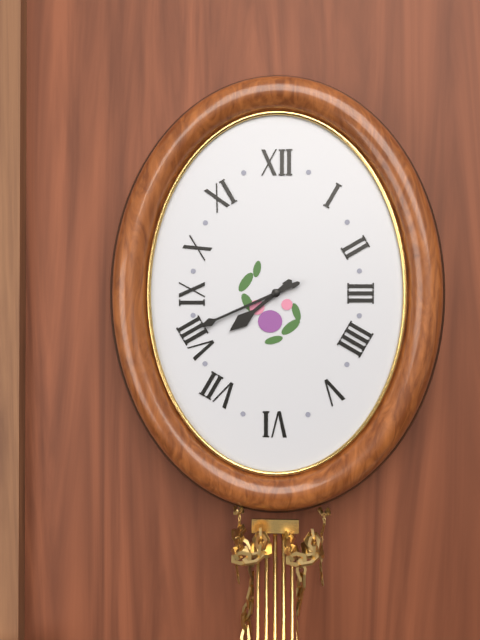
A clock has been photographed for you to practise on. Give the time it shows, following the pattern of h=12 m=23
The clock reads h=7 m=41
